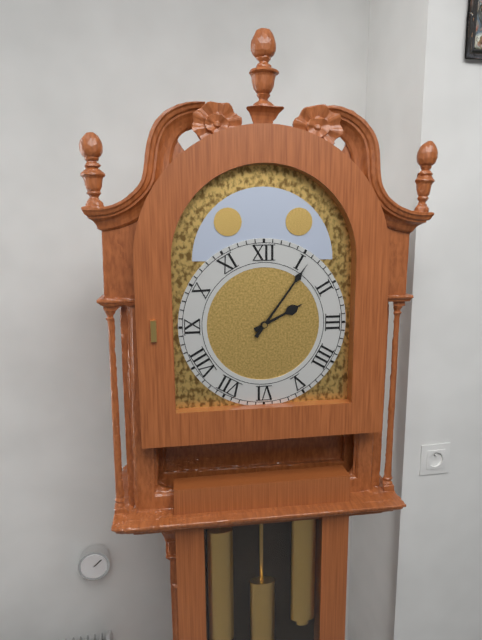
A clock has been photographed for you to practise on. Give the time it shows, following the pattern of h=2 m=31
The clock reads h=2 m=6
